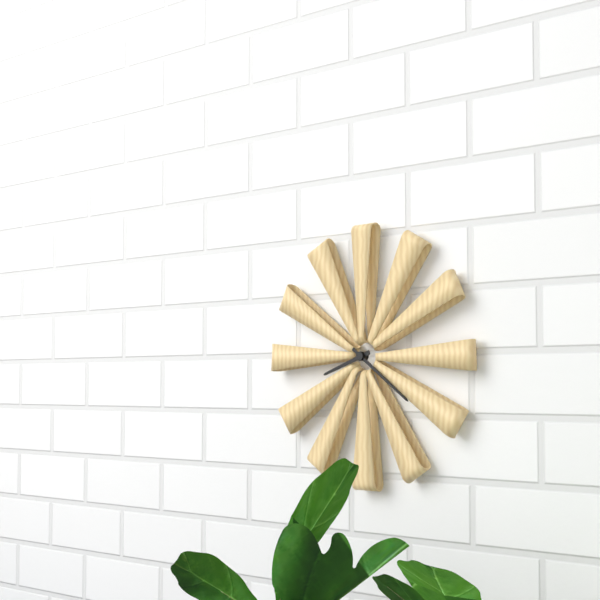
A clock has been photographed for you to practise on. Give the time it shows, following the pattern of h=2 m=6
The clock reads h=8 m=21
